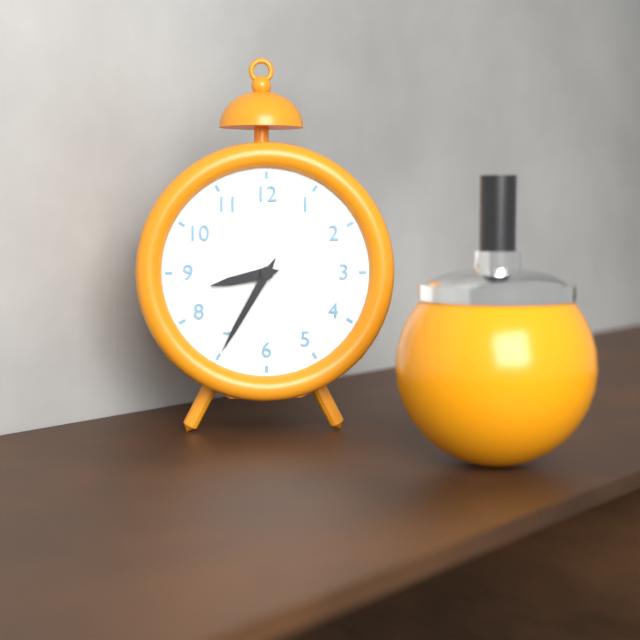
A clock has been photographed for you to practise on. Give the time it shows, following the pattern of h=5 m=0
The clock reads h=8 m=35
